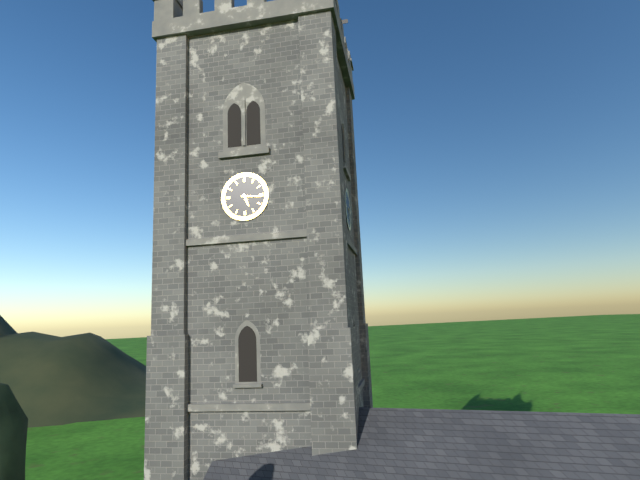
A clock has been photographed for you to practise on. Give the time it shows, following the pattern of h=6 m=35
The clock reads h=5 m=16
